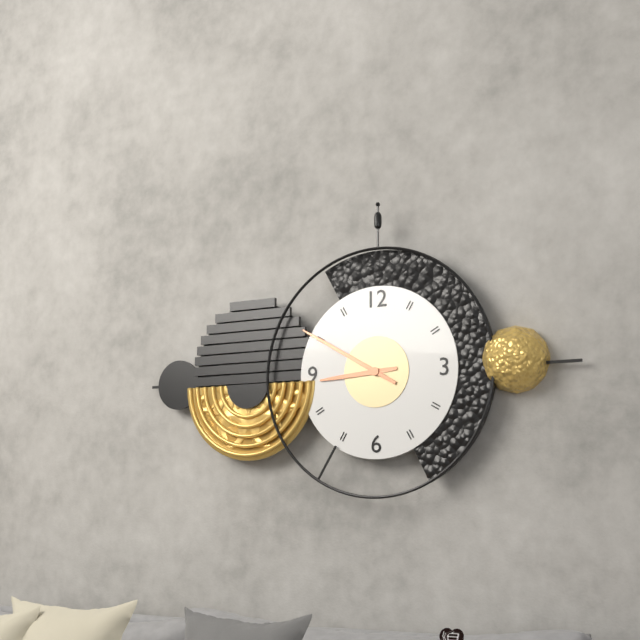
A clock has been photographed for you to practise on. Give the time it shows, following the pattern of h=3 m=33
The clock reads h=8 m=50
